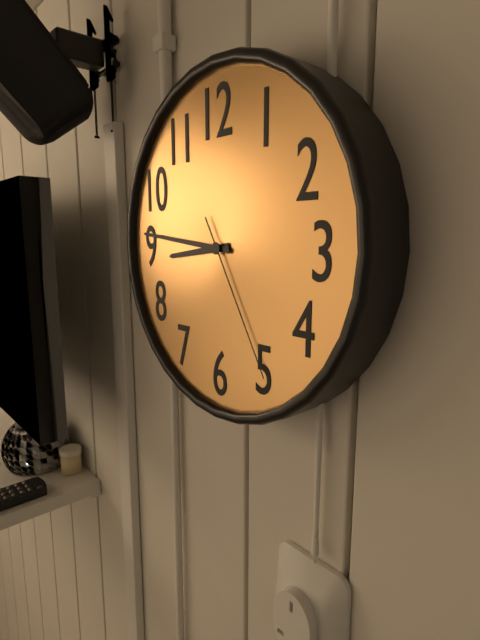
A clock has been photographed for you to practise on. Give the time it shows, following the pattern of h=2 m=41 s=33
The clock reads h=8 m=46 s=25
